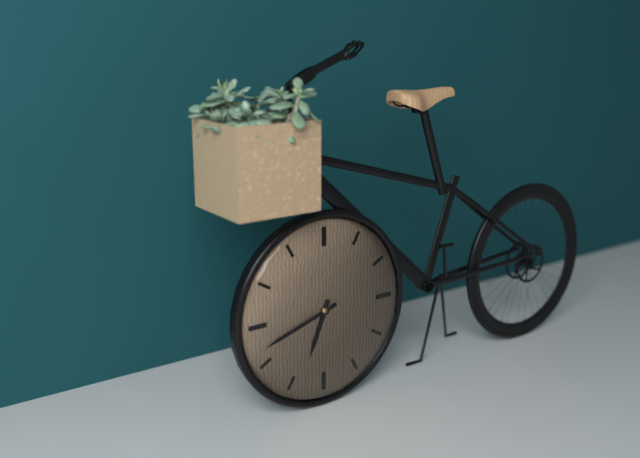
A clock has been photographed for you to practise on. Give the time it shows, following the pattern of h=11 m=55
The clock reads h=6 m=42
